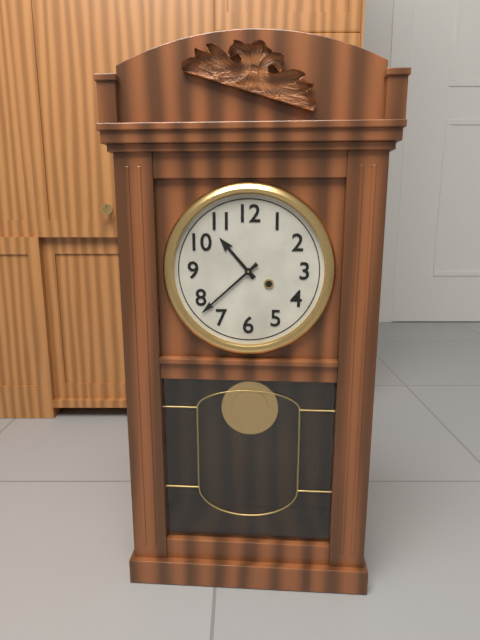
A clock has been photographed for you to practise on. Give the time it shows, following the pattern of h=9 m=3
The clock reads h=10 m=38
